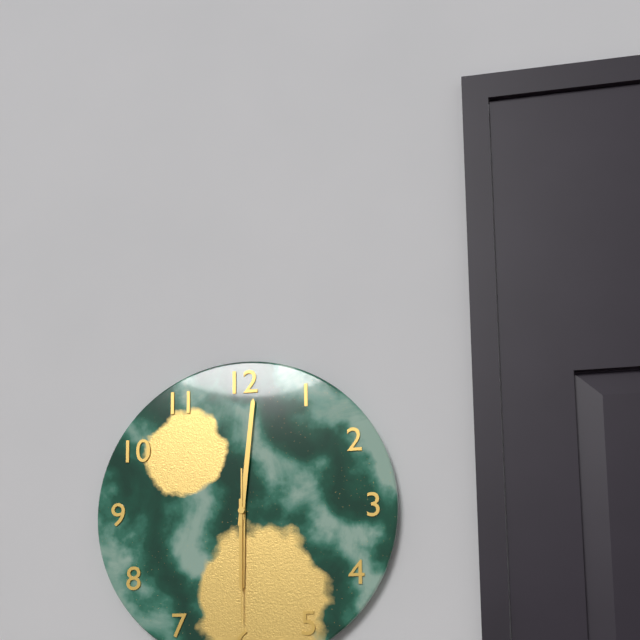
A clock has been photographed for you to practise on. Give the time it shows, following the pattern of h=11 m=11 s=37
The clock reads h=6 m=1 s=30
